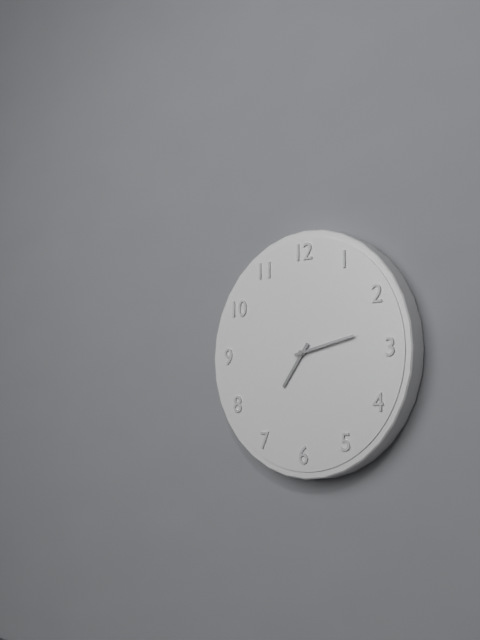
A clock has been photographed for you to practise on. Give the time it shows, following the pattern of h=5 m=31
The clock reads h=7 m=13
